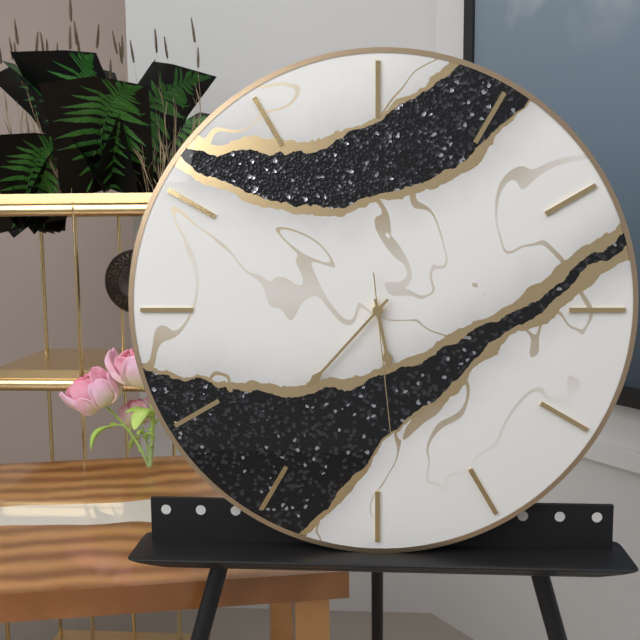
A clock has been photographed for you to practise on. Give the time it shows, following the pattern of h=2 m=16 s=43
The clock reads h=5 m=37 s=29
